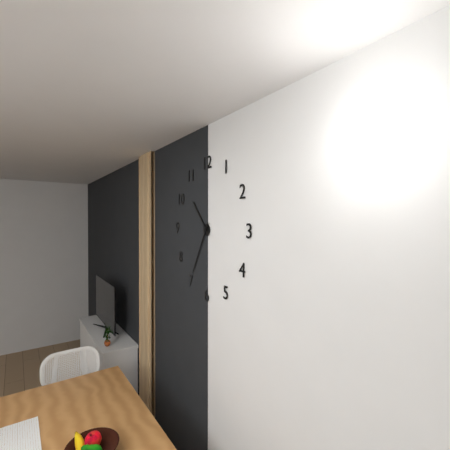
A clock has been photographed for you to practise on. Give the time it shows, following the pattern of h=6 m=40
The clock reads h=10 m=35
